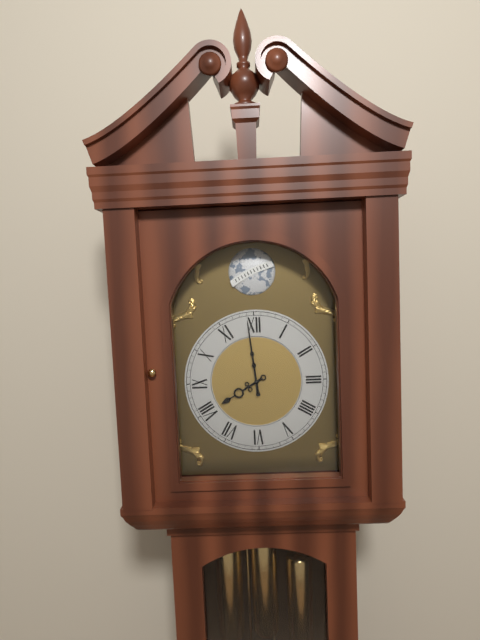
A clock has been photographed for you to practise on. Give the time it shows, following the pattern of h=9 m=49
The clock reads h=7 m=59
